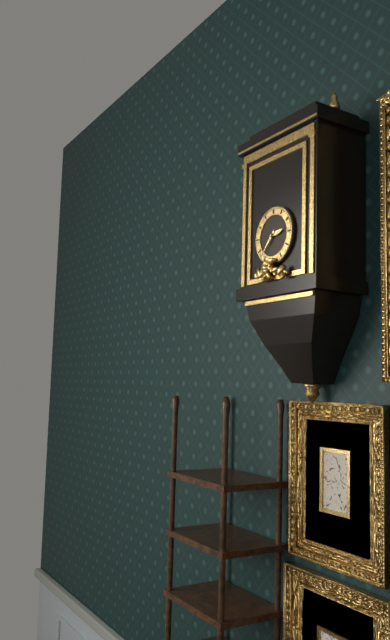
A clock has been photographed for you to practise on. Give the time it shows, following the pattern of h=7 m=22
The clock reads h=2 m=37
